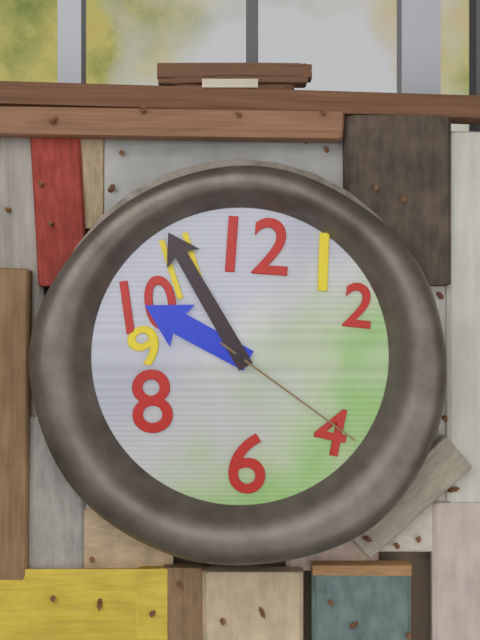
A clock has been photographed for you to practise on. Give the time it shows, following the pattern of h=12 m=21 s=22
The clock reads h=9 m=55 s=21
